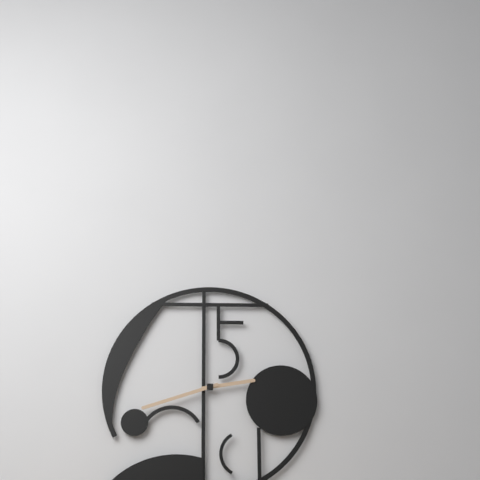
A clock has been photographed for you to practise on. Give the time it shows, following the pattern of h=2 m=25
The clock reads h=2 m=42
